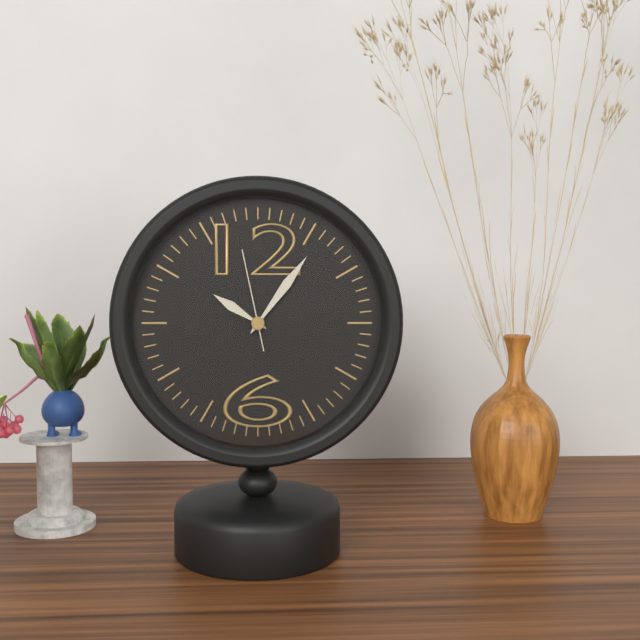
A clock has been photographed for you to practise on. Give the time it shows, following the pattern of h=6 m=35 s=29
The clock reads h=10 m=6 s=58
